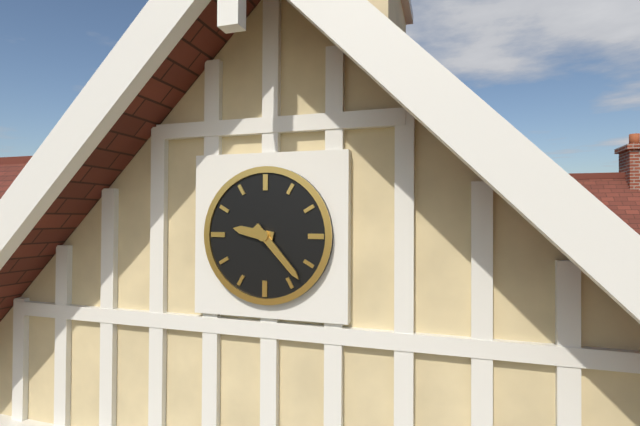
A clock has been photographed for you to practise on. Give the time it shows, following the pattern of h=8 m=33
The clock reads h=9 m=23
